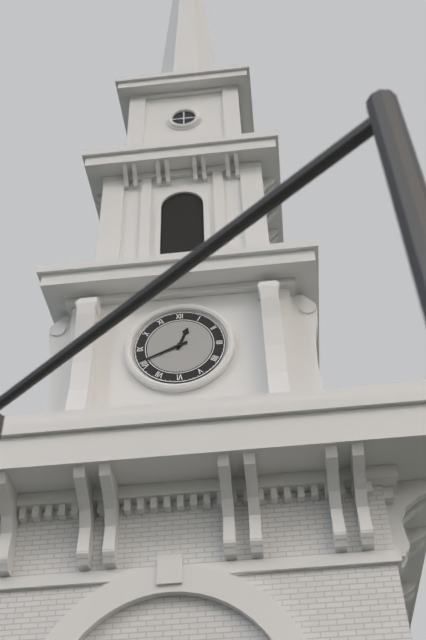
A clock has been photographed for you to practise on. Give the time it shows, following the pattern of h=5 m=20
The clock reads h=12 m=41
